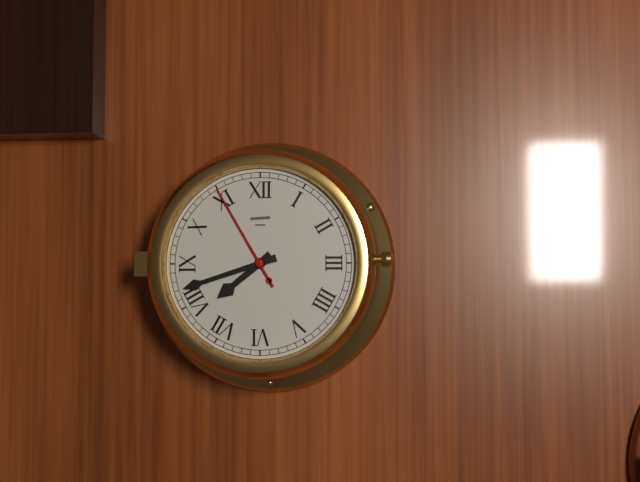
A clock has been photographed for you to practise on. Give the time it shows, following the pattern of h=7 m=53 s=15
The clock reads h=7 m=42 s=55
